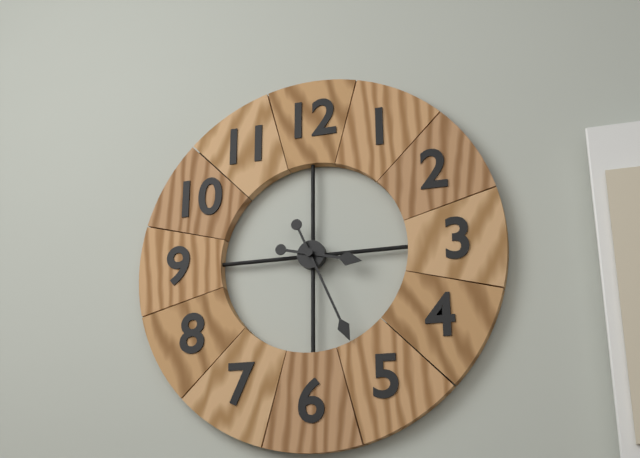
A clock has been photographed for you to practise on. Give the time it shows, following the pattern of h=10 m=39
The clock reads h=3 m=26
